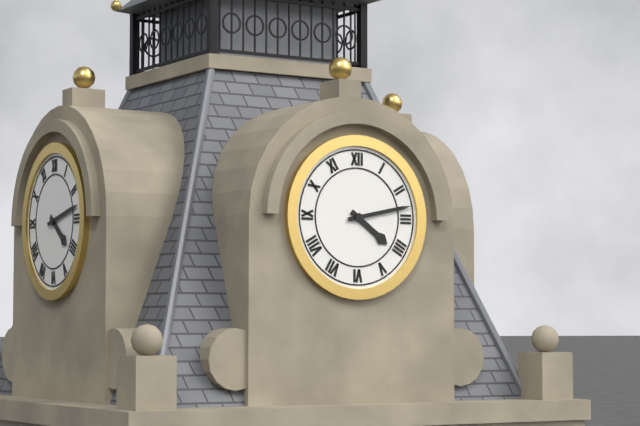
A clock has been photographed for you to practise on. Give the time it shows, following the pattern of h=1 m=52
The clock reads h=4 m=13
